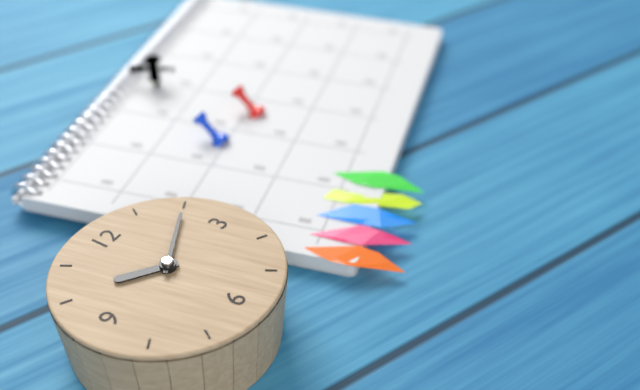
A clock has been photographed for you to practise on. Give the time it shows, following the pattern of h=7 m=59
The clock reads h=10 m=10
